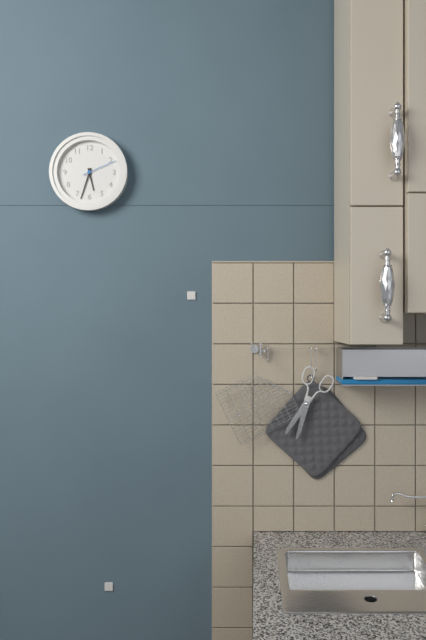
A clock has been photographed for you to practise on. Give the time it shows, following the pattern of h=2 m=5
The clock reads h=5 m=33
